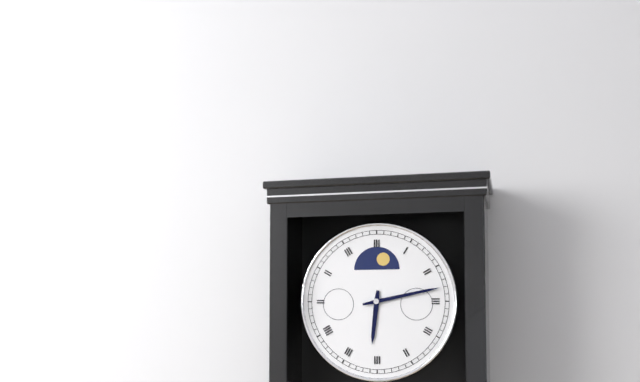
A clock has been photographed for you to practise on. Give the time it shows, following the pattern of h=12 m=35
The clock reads h=6 m=13
